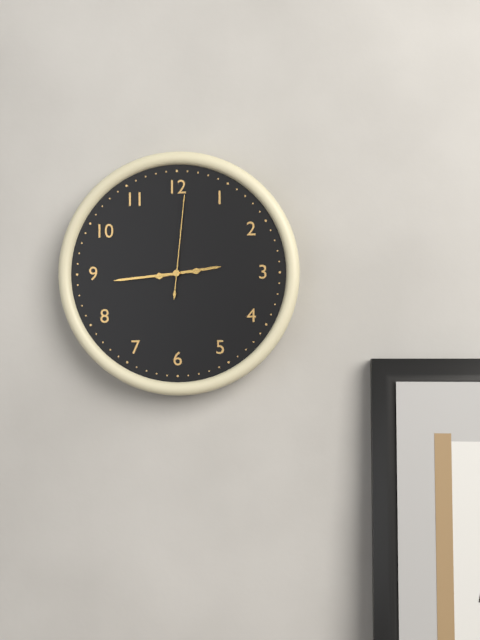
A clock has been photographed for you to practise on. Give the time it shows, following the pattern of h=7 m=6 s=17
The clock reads h=2 m=44 s=1
